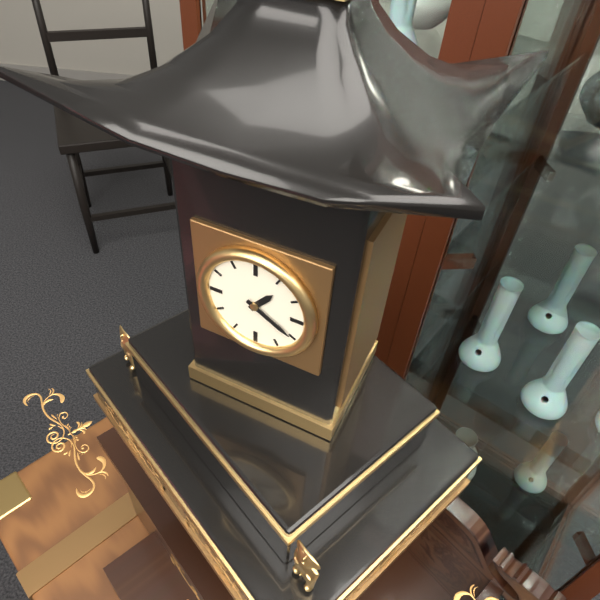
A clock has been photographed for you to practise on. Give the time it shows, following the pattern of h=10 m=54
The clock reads h=1 m=20
